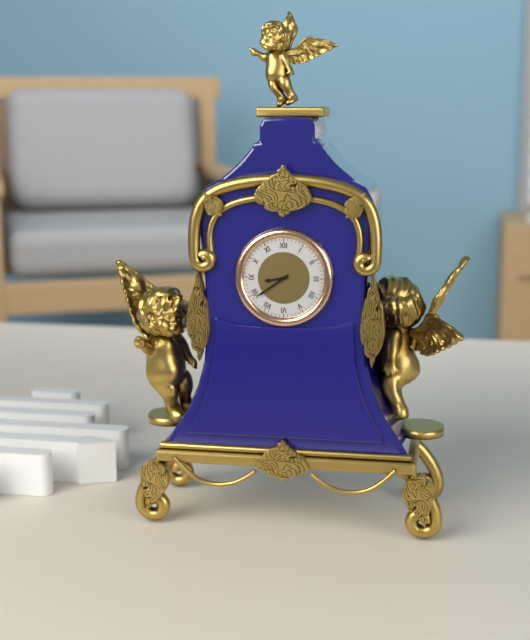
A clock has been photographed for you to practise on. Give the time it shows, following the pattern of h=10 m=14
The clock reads h=8 m=39
